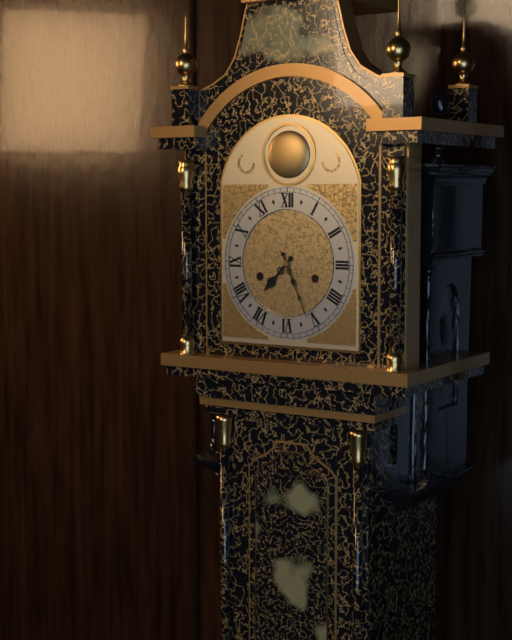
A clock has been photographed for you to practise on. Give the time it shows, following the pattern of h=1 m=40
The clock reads h=7 m=26
